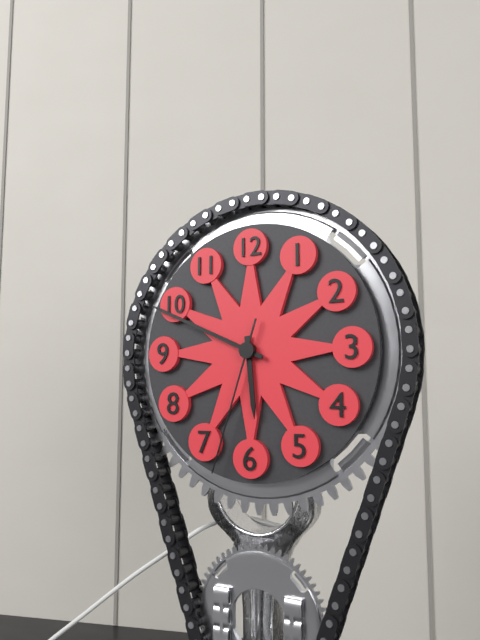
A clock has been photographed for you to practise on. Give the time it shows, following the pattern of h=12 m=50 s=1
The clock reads h=5 m=49 s=33
